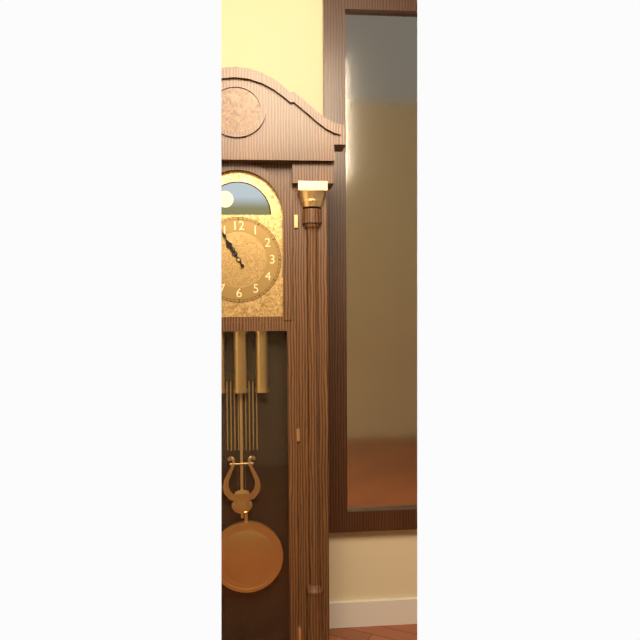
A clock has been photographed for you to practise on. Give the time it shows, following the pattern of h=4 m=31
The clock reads h=10 m=55
